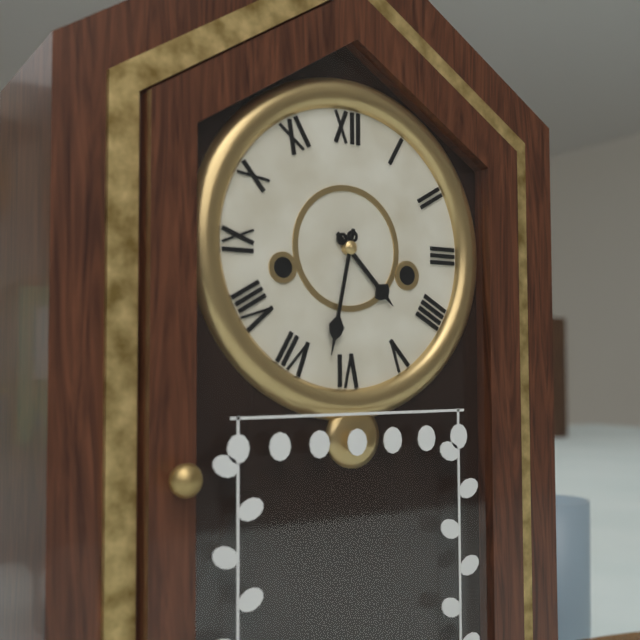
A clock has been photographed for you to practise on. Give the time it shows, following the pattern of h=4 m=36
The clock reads h=4 m=32
